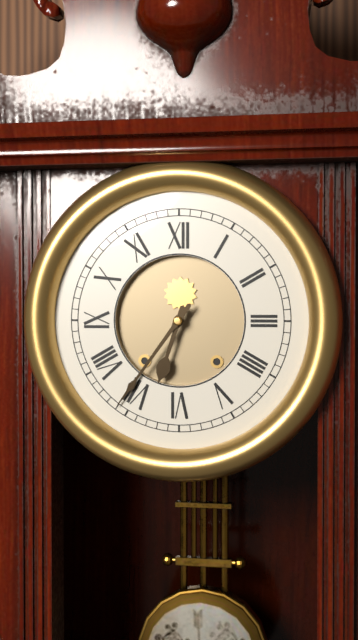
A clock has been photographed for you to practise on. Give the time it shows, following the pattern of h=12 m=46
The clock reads h=6 m=36
